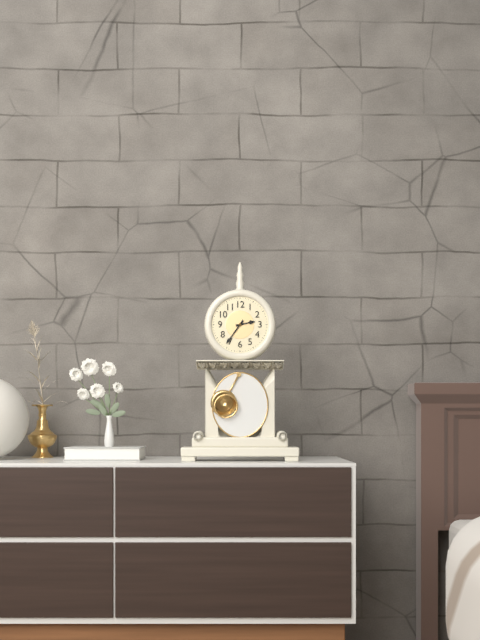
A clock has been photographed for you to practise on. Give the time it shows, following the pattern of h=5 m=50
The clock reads h=2 m=36
